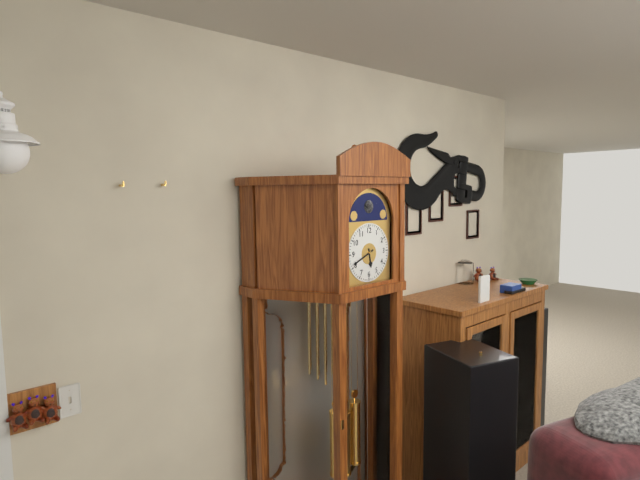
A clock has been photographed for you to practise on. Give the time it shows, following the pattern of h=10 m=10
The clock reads h=5 m=41
